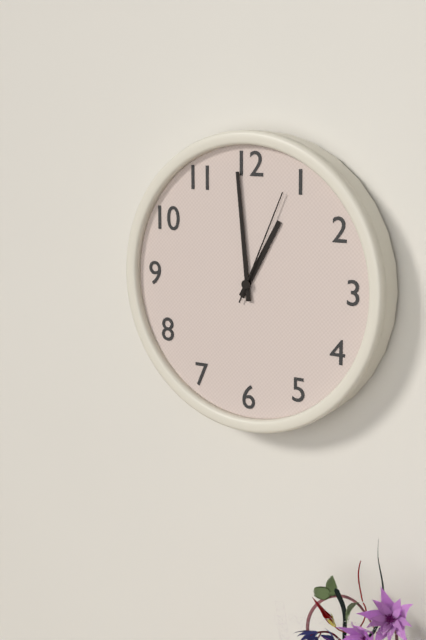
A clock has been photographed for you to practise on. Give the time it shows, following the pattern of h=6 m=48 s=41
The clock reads h=12 m=59 s=4
